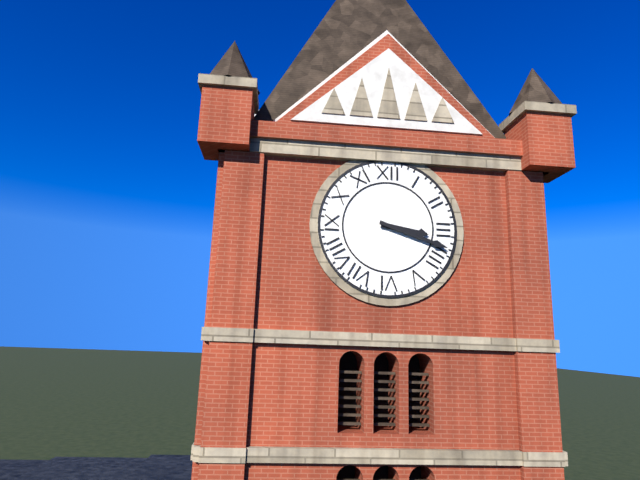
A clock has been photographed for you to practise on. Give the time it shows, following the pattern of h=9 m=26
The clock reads h=3 m=18
